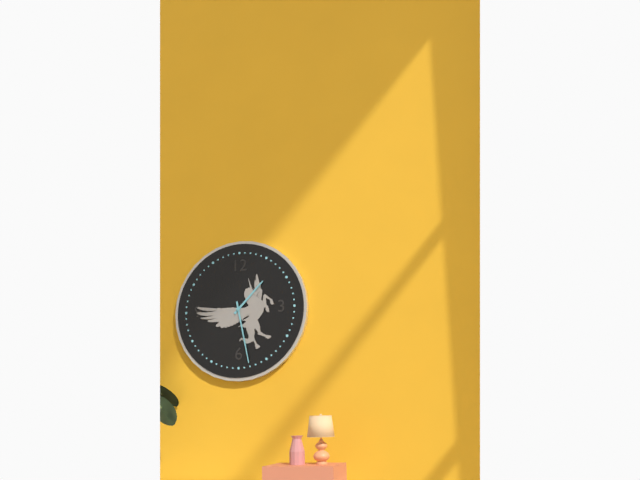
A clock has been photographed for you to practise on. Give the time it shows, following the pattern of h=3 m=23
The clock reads h=1 m=28
